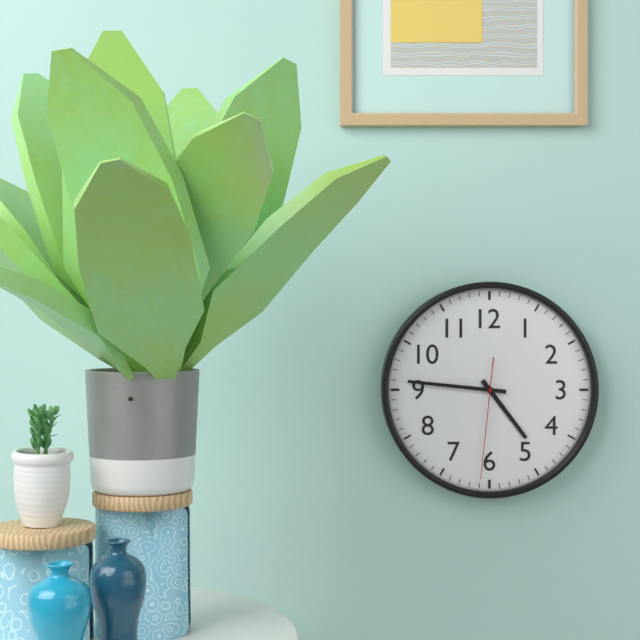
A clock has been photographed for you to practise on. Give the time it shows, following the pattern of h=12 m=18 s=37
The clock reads h=4 m=46 s=31
